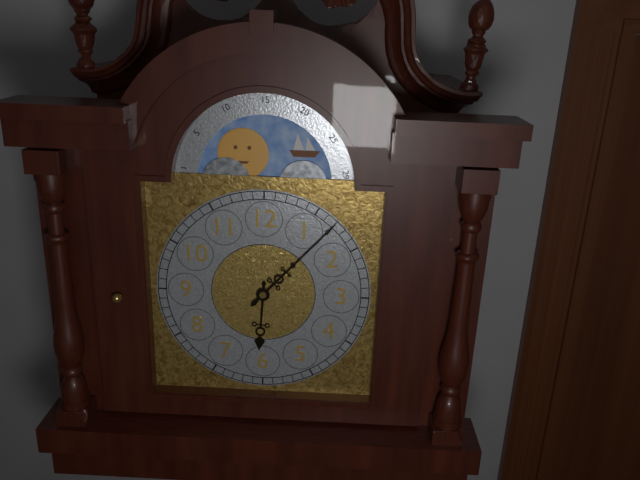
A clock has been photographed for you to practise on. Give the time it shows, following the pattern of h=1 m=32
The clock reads h=6 m=7
